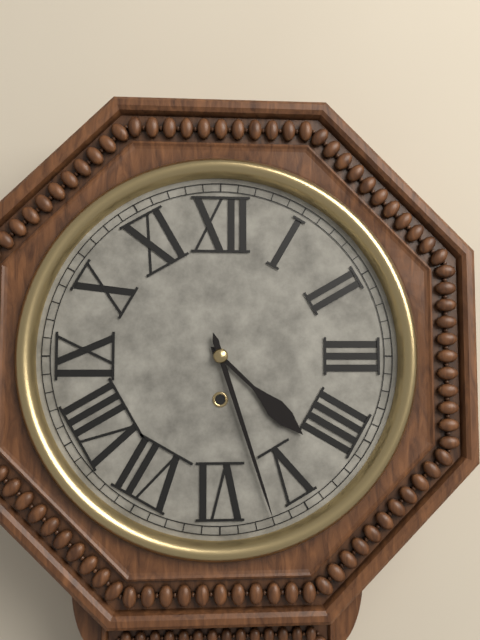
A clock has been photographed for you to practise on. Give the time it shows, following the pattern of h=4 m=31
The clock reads h=4 m=27
